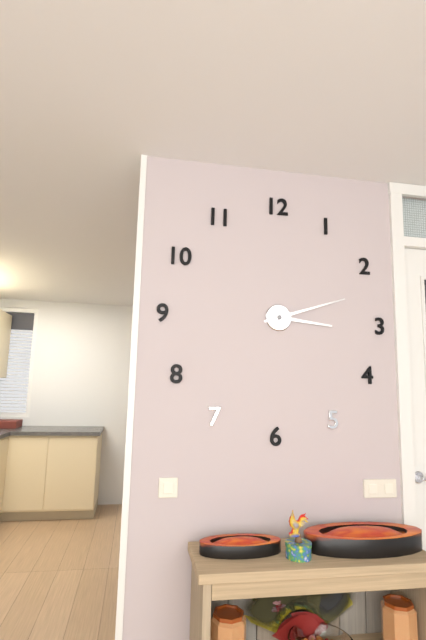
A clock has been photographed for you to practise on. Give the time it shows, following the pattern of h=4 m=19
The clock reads h=3 m=12
